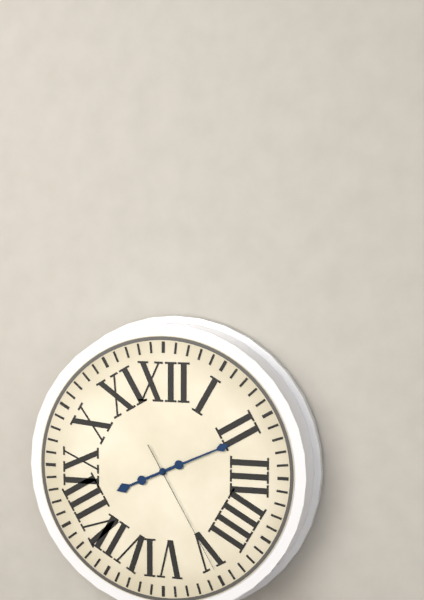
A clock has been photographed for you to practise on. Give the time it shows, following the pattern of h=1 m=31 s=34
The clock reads h=8 m=11 s=25
